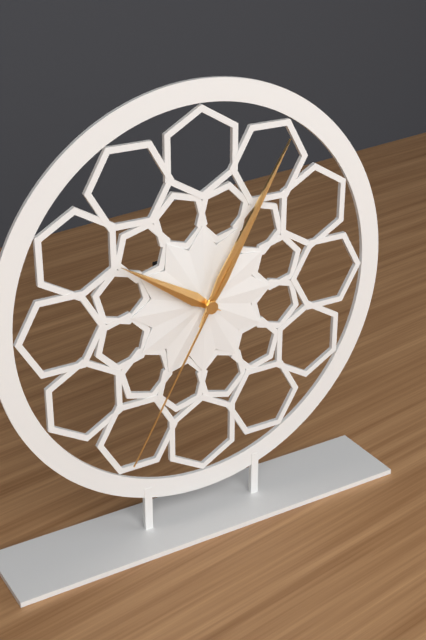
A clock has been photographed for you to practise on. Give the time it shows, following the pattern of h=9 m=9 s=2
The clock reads h=10 m=5 s=35
